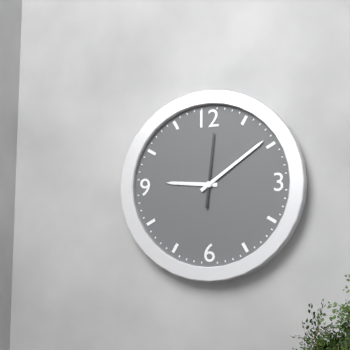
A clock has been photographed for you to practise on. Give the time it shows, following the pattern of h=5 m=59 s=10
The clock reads h=9 m=9 s=1
